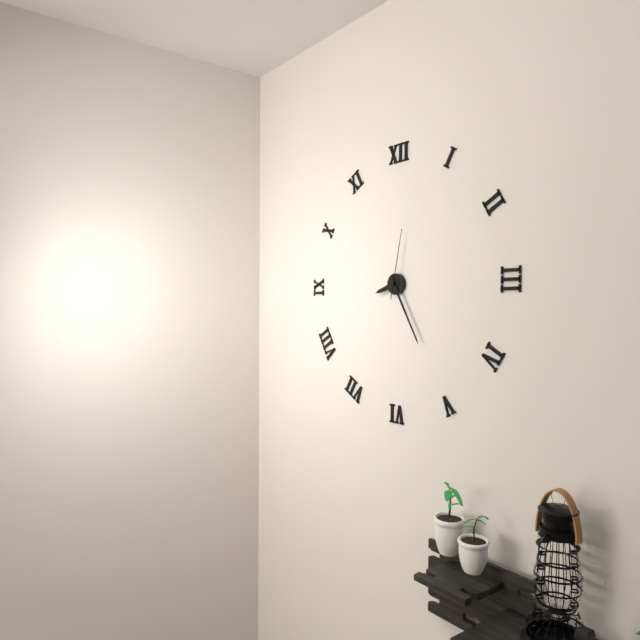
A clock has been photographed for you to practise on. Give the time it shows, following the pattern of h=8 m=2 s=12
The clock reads h=8 m=25 s=2
